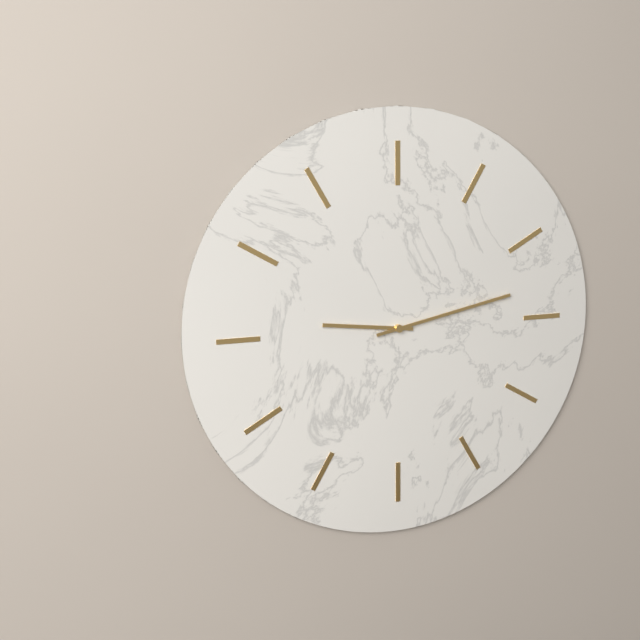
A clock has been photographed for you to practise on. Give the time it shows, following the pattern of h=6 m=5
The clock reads h=9 m=13
